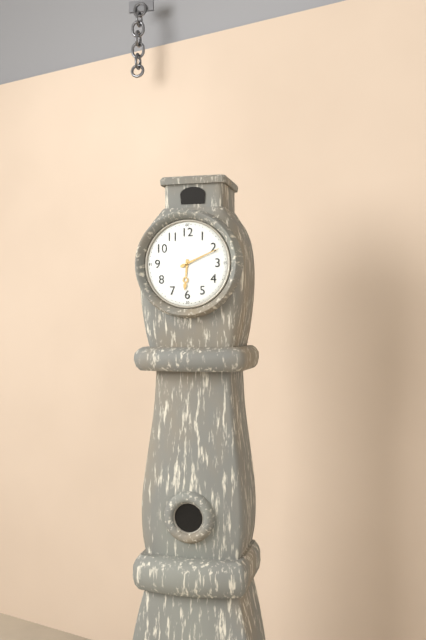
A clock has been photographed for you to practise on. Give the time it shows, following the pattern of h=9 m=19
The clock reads h=6 m=11
